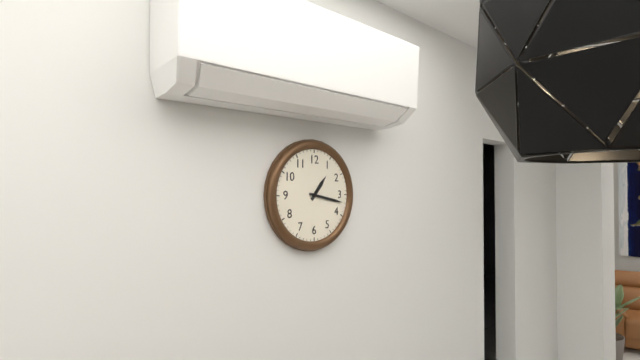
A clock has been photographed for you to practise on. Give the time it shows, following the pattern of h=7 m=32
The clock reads h=1 m=17
